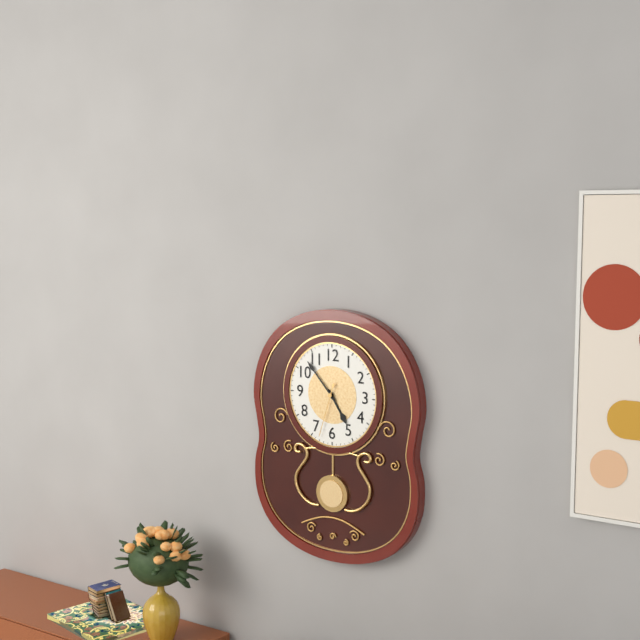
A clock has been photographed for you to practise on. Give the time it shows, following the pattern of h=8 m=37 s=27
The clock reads h=4 m=53 s=33
